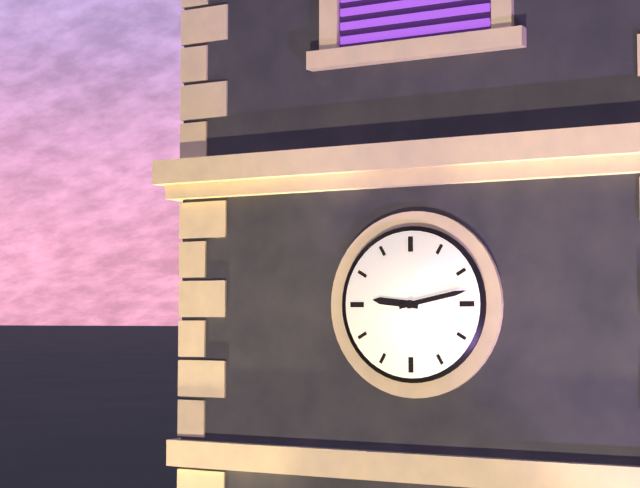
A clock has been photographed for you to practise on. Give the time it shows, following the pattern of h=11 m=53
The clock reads h=9 m=13
